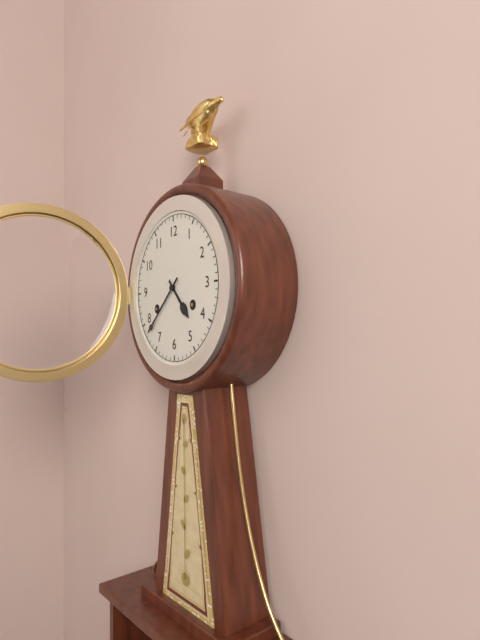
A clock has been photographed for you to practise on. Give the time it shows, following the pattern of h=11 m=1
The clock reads h=4 m=38
